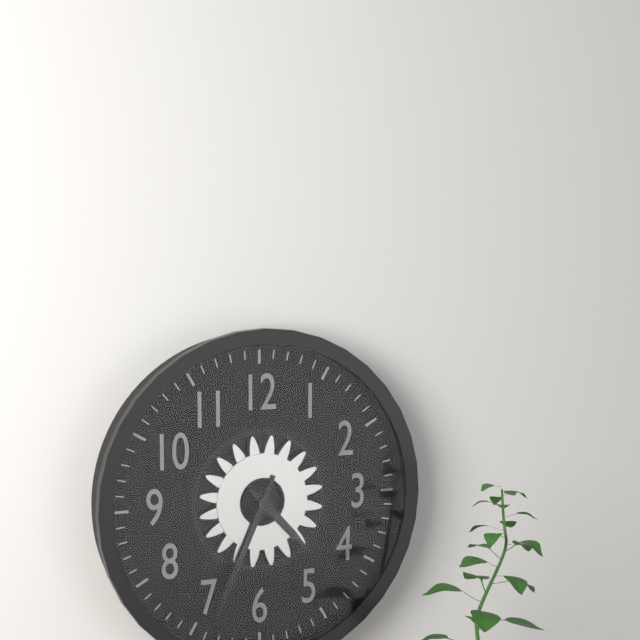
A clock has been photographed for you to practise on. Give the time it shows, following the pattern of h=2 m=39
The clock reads h=4 m=34
